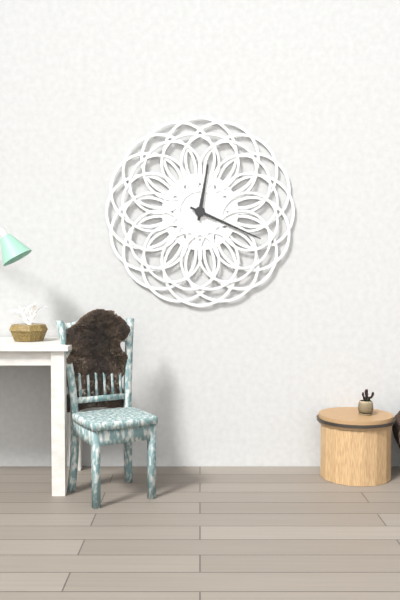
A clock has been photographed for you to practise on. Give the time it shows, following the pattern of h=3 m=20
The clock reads h=12 m=19
